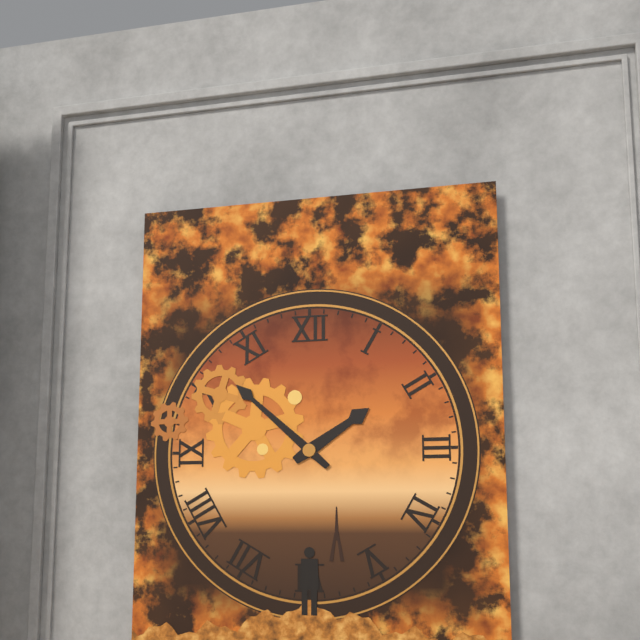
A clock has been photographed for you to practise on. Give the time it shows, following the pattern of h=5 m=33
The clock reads h=1 m=52
